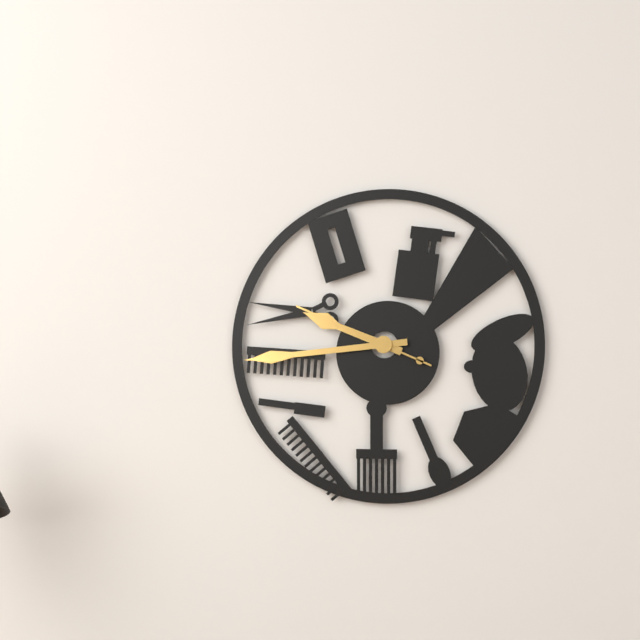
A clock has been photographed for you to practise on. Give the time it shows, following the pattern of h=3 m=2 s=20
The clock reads h=9 m=44 s=49
